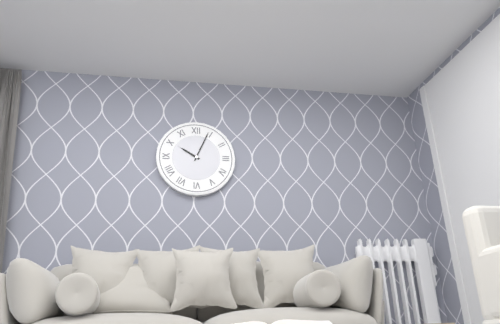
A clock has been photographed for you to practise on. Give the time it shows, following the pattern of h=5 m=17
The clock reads h=10 m=4
